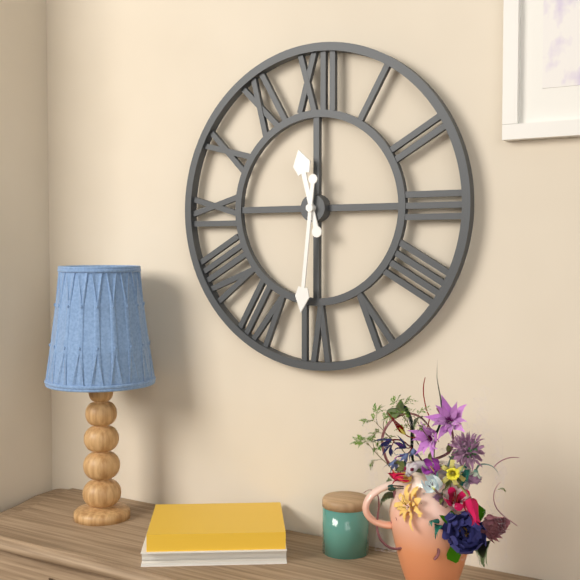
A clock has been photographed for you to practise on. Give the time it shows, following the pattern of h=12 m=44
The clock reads h=11 m=31
